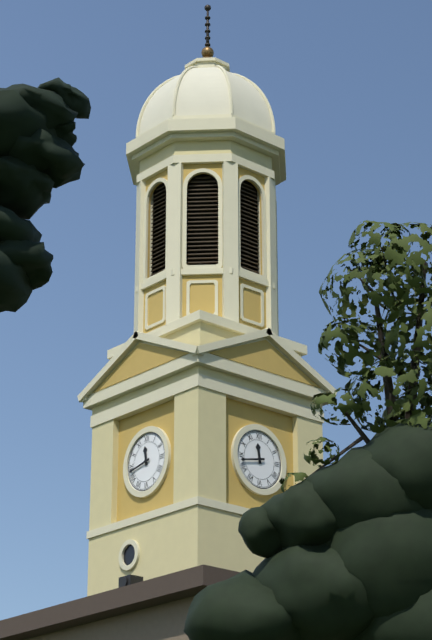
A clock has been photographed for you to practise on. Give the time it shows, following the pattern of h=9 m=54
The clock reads h=11 m=43
